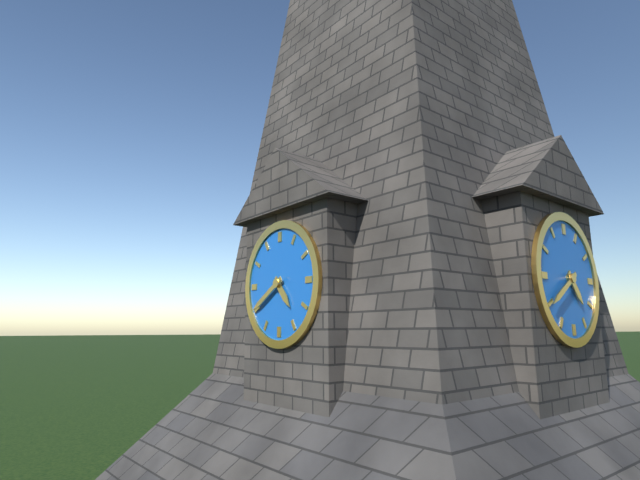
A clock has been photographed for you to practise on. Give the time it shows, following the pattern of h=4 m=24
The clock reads h=4 m=40
